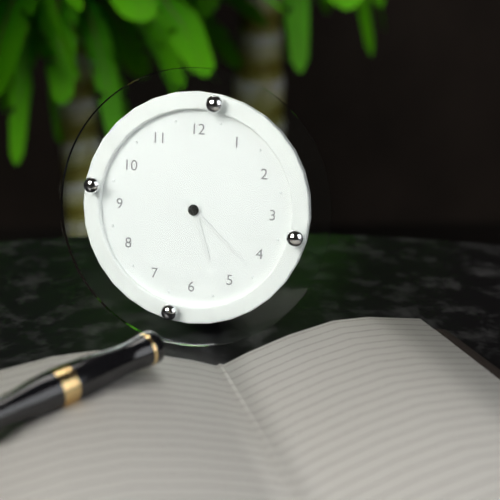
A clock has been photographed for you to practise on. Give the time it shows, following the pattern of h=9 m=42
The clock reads h=5 m=22
